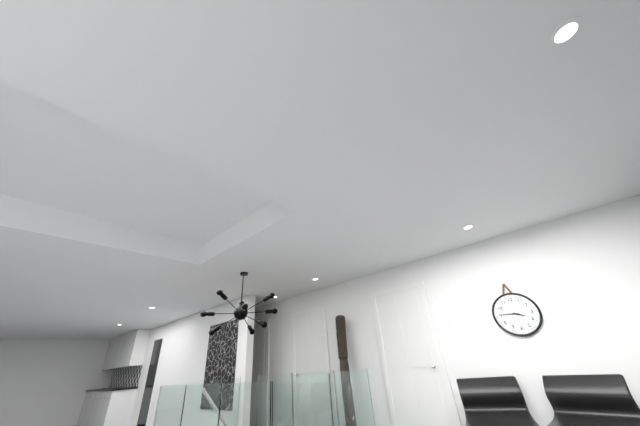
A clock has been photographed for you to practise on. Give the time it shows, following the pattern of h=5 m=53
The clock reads h=3 m=46
